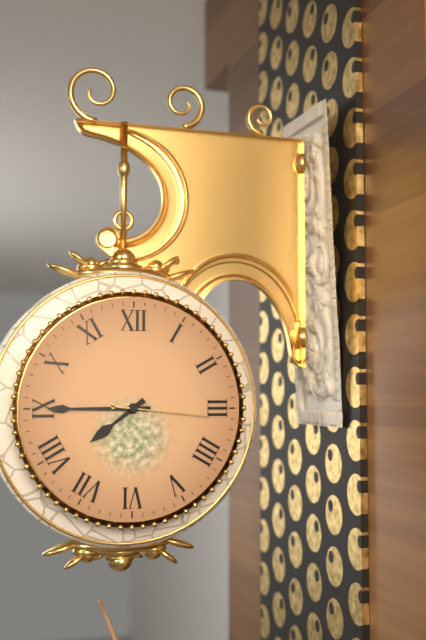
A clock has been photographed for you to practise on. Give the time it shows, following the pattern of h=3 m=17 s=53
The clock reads h=7 m=45 s=16
